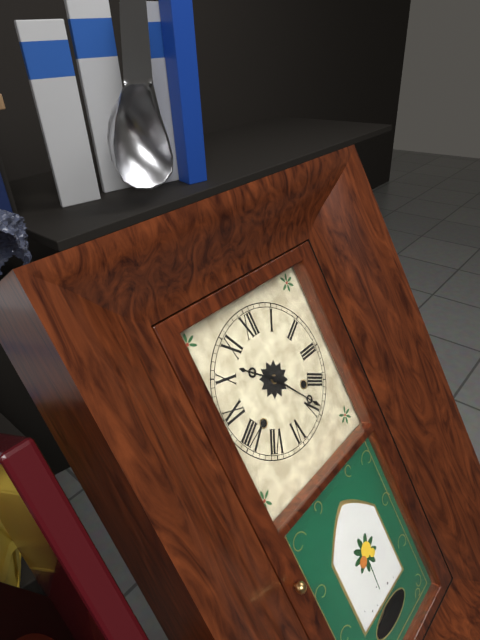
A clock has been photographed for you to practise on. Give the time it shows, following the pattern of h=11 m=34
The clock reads h=10 m=24
